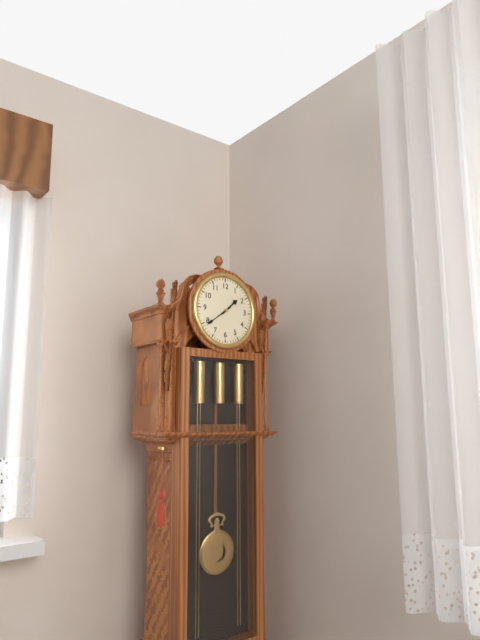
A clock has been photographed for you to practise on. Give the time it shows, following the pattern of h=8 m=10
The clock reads h=1 m=39
